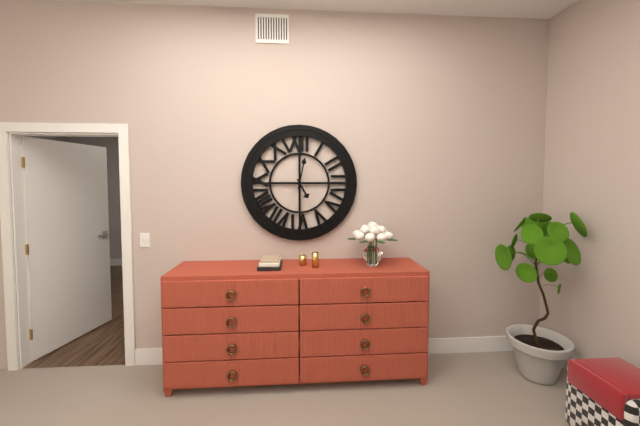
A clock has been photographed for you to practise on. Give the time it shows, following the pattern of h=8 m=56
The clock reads h=5 m=2
